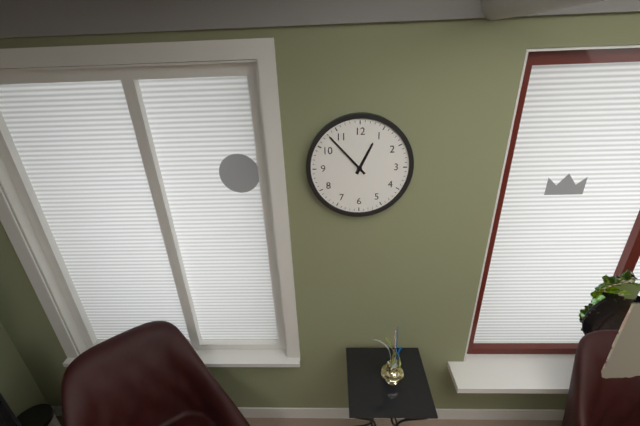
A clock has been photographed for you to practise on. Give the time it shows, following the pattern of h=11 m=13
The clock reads h=12 m=53
